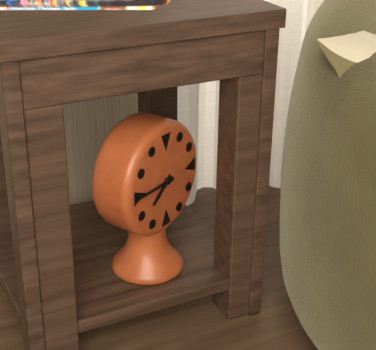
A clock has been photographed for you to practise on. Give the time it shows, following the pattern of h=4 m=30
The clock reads h=7 m=45
